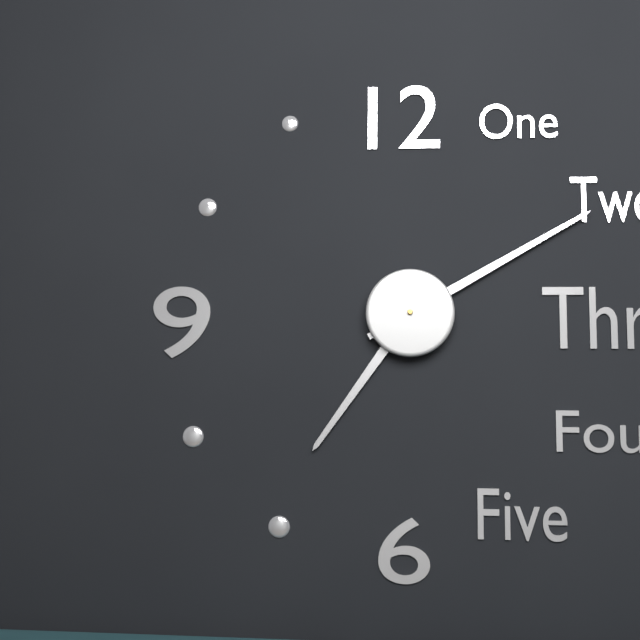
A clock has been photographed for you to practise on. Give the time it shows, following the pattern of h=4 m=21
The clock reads h=7 m=10
